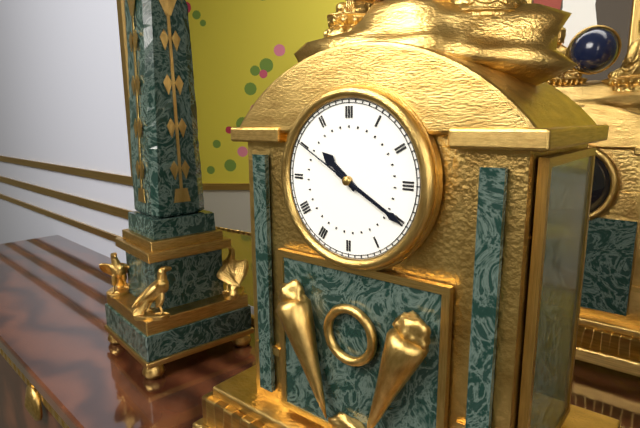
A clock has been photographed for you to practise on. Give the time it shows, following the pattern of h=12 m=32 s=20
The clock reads h=10 m=20 s=50
